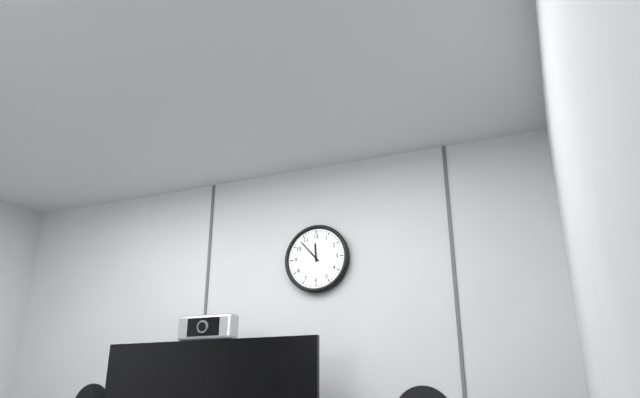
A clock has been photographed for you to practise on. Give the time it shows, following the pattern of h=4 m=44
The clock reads h=11 m=53
